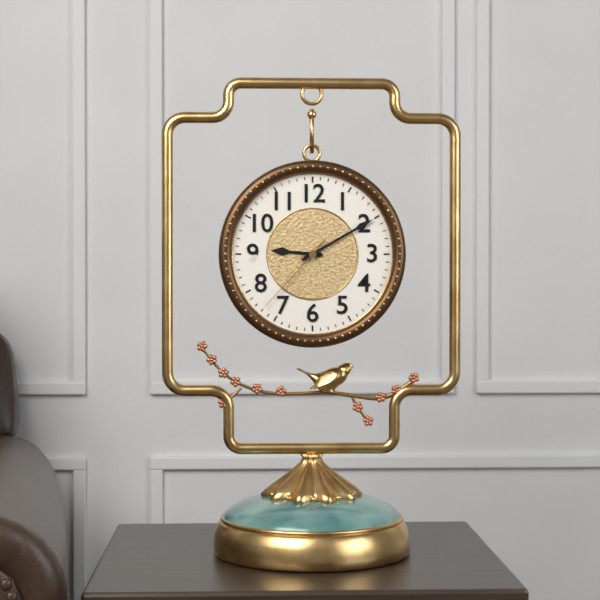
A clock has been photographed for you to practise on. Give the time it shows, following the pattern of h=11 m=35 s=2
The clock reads h=9 m=10 s=37
